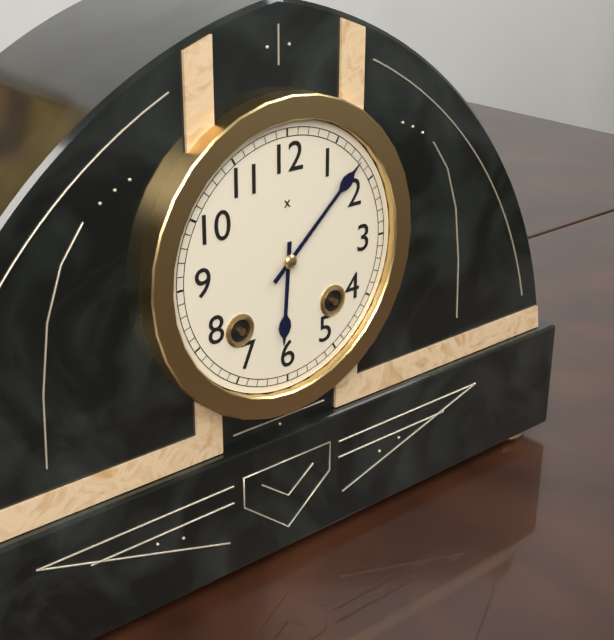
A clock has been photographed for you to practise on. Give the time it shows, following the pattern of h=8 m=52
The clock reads h=6 m=8
